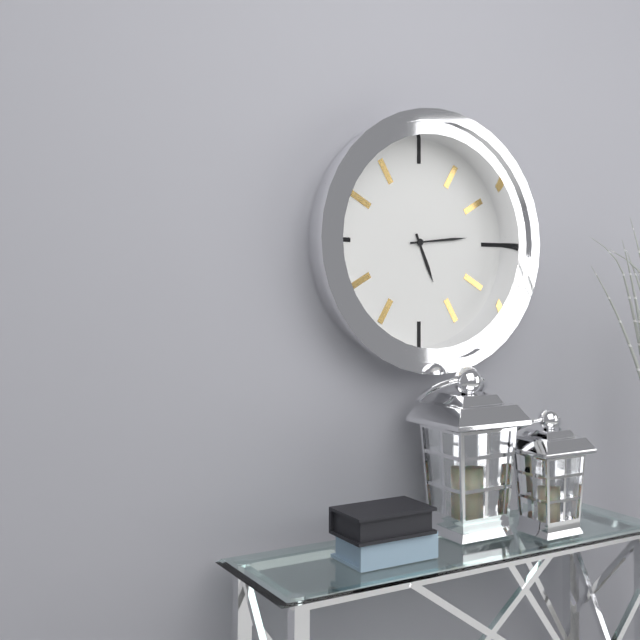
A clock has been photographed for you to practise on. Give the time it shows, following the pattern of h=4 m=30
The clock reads h=5 m=14
